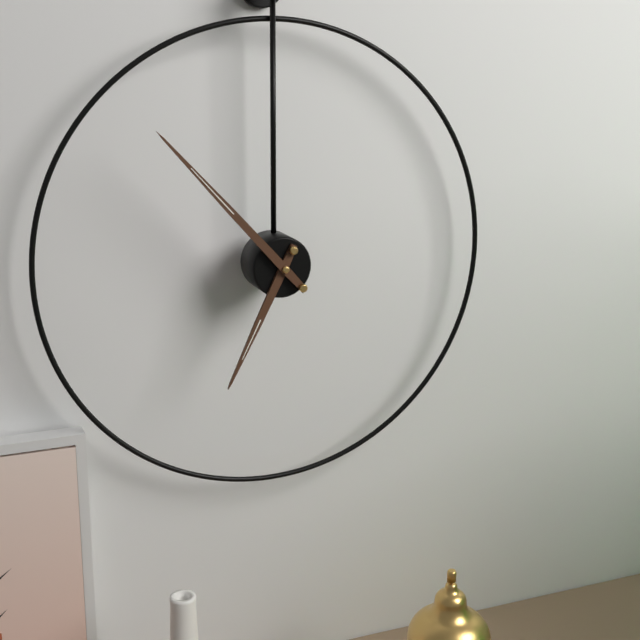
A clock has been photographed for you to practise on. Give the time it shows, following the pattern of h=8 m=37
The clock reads h=6 m=53
